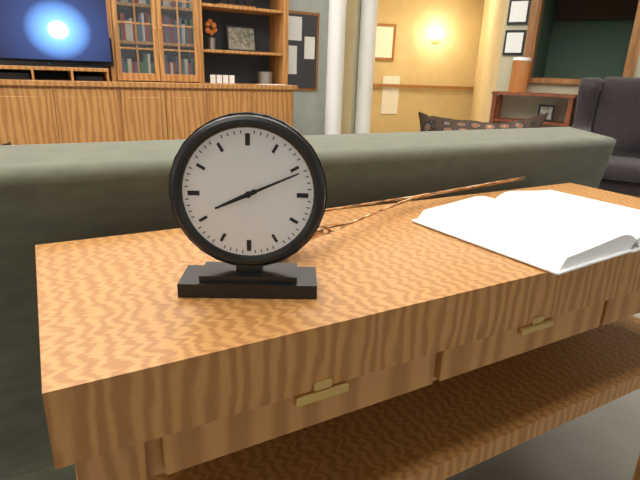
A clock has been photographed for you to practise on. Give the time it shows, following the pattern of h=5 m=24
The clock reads h=8 m=11
